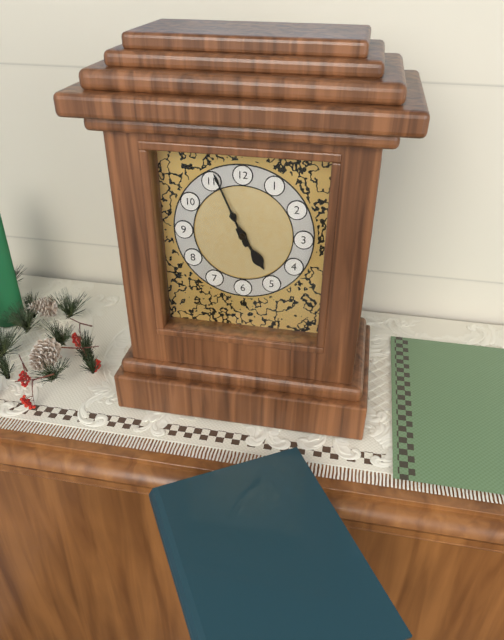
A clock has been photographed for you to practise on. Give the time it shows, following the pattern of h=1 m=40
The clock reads h=4 m=56
